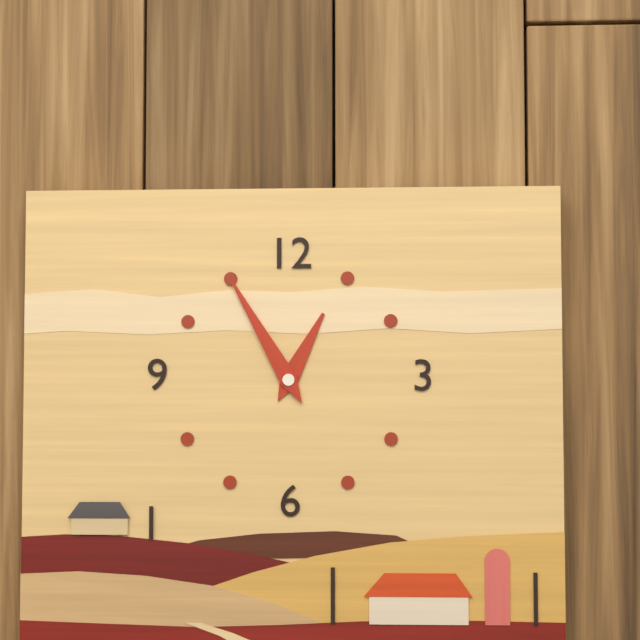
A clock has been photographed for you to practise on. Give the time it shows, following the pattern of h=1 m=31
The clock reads h=12 m=55
